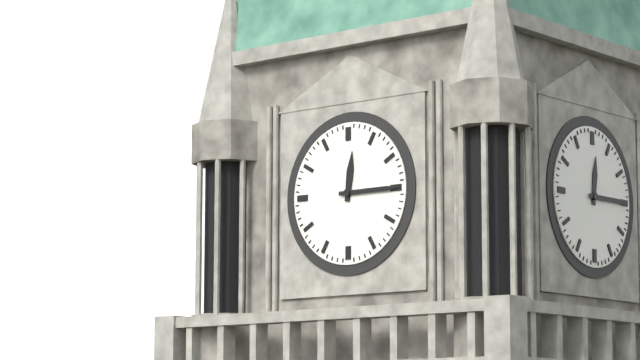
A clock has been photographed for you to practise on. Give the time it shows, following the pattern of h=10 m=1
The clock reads h=12 m=15
